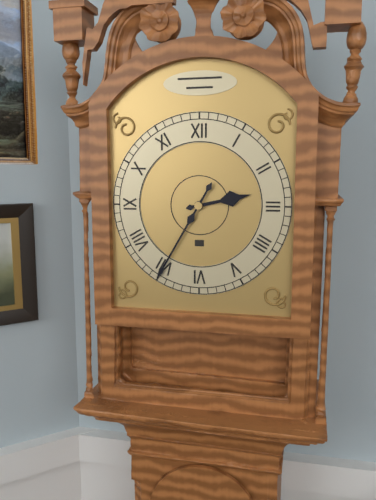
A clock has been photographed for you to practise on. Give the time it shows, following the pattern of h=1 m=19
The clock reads h=2 m=35
